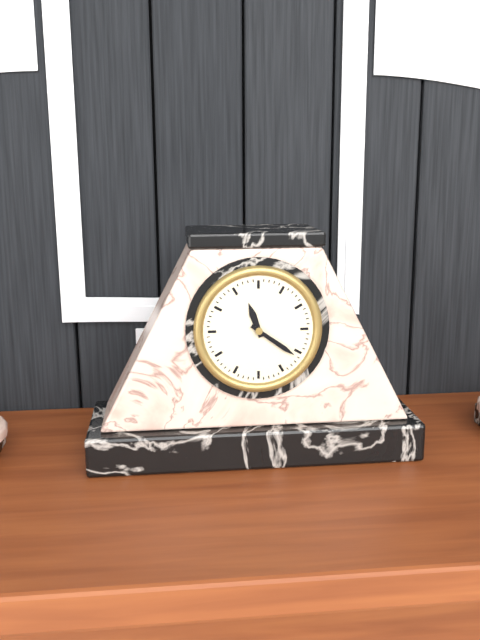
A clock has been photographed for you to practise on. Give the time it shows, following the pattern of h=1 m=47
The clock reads h=11 m=21
